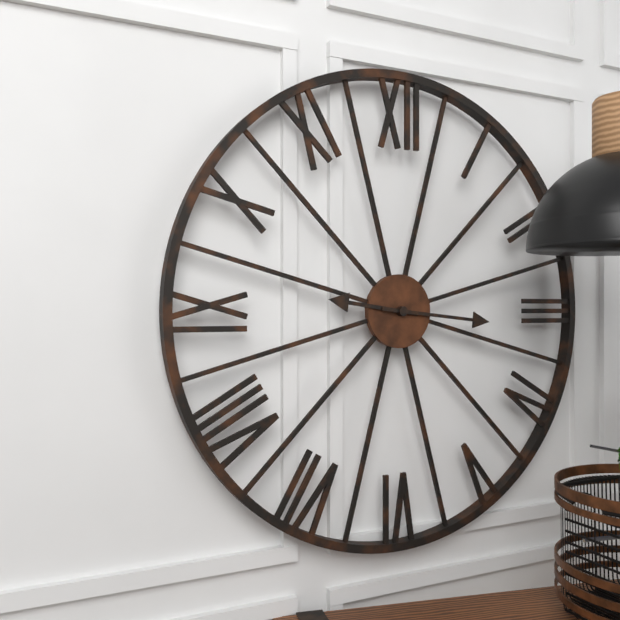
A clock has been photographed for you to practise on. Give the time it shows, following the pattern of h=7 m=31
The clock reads h=9 m=16
